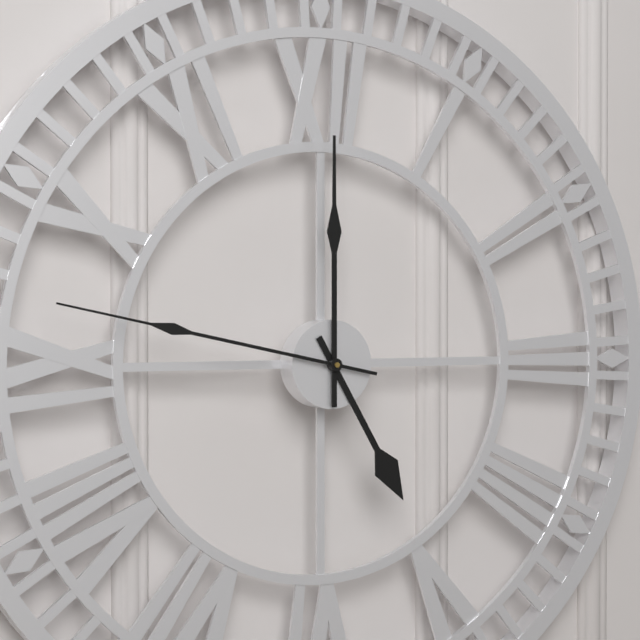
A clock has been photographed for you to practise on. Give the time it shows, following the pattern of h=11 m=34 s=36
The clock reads h=5 m=0 s=47
